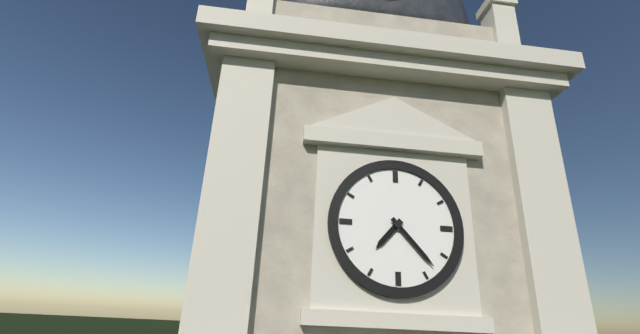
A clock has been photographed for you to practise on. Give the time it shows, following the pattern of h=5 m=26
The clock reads h=7 m=23
